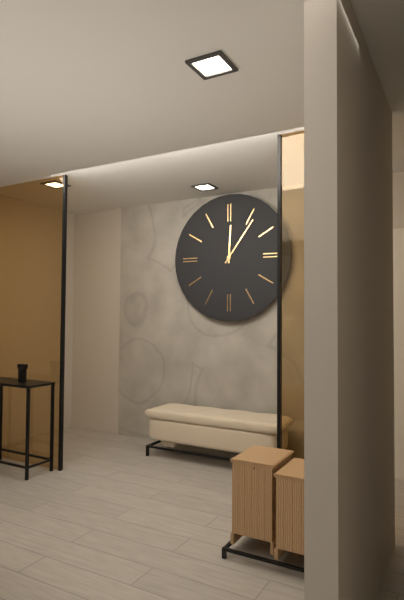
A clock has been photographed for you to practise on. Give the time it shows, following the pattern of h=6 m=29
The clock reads h=12 m=6
